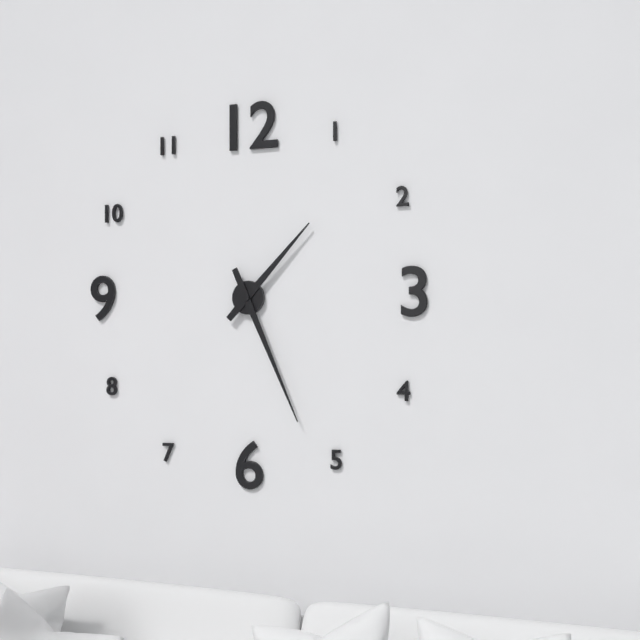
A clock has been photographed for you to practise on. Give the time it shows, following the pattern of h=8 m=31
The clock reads h=1 m=26
